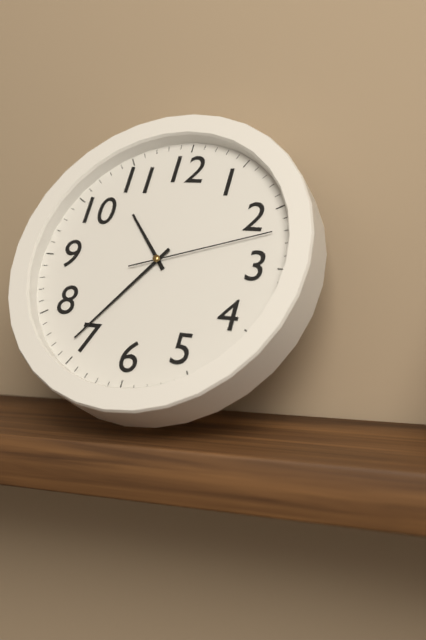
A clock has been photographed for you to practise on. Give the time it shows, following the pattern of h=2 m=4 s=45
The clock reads h=10 m=36 s=12
